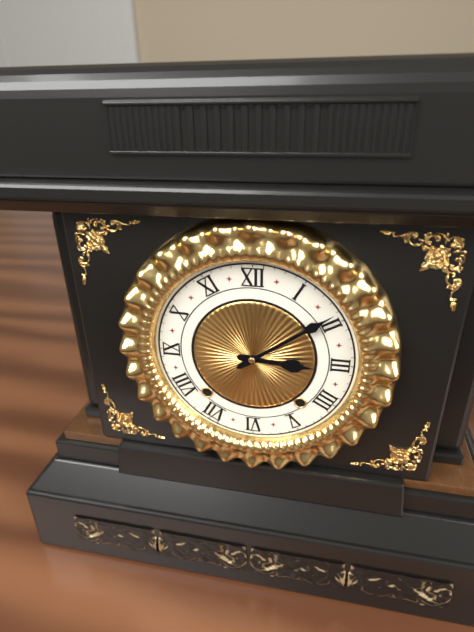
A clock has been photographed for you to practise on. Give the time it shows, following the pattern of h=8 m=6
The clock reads h=3 m=9
